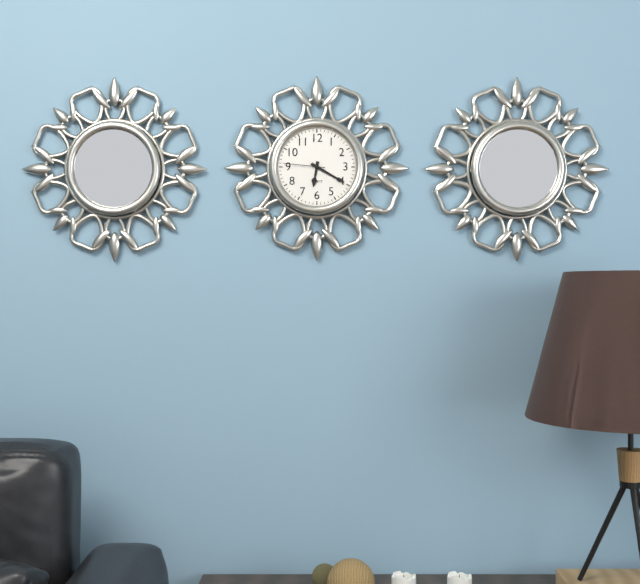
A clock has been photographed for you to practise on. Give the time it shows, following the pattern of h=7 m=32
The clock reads h=6 m=20
